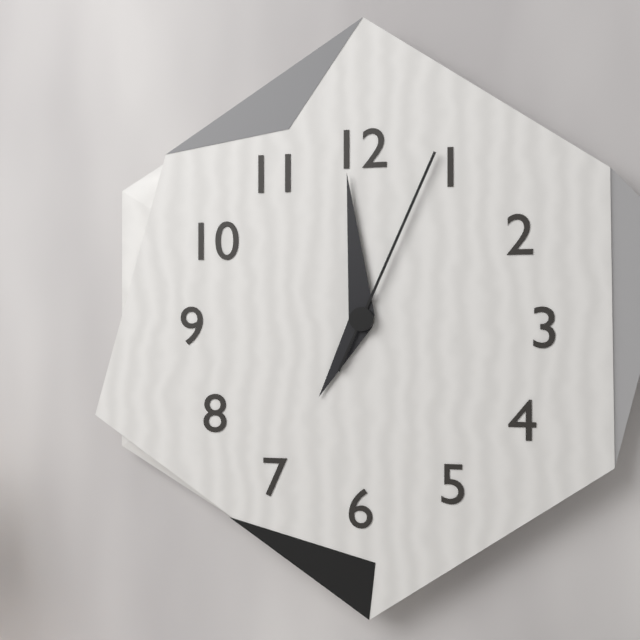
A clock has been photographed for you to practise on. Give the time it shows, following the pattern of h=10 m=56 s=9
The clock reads h=6 m=59 s=4
